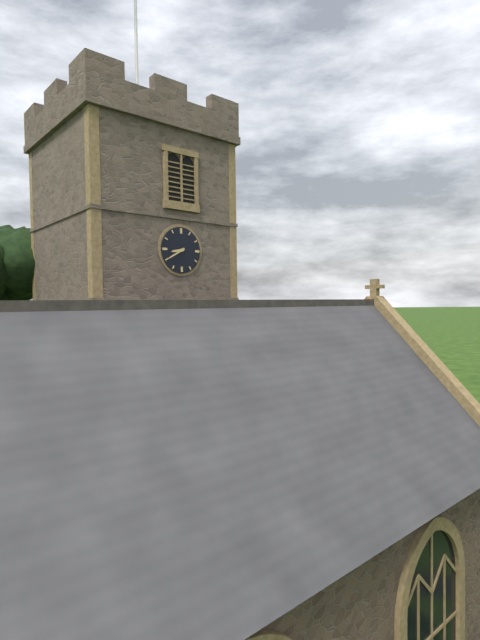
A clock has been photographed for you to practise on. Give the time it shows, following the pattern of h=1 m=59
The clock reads h=8 m=40
